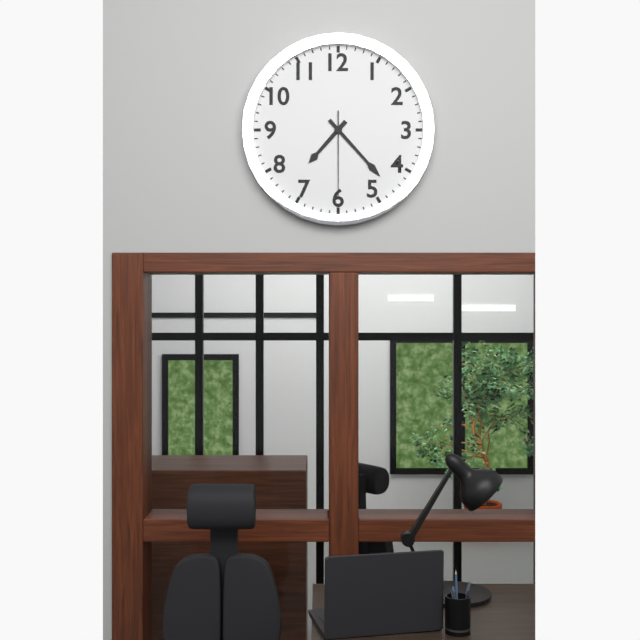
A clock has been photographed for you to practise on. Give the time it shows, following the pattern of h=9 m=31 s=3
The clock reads h=7 m=23 s=30
